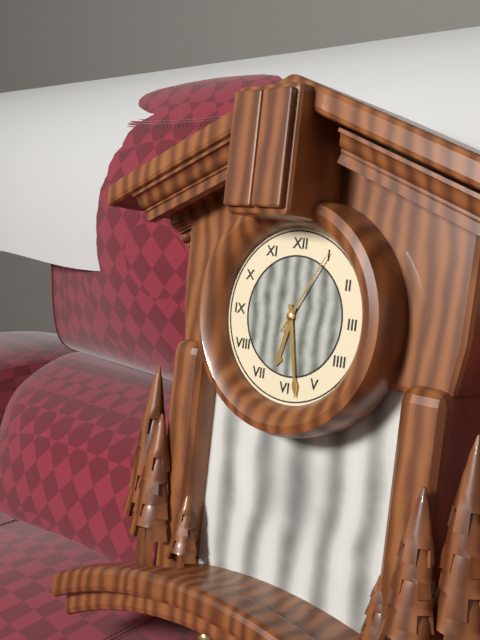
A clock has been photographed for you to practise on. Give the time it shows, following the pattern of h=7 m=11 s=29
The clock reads h=6 m=28 s=5
